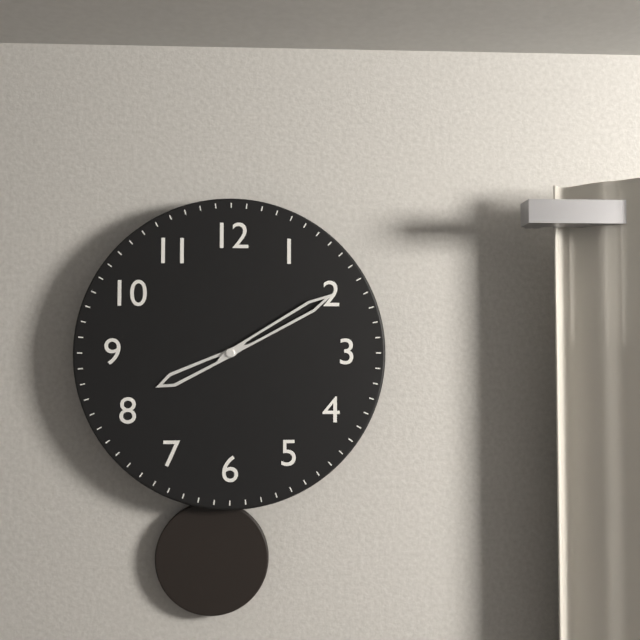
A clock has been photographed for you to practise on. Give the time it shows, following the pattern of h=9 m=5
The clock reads h=8 m=10
